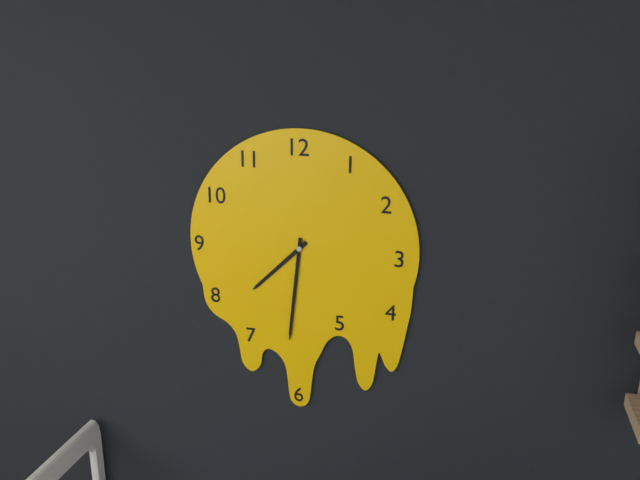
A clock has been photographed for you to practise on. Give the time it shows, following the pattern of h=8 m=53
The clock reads h=7 m=31
